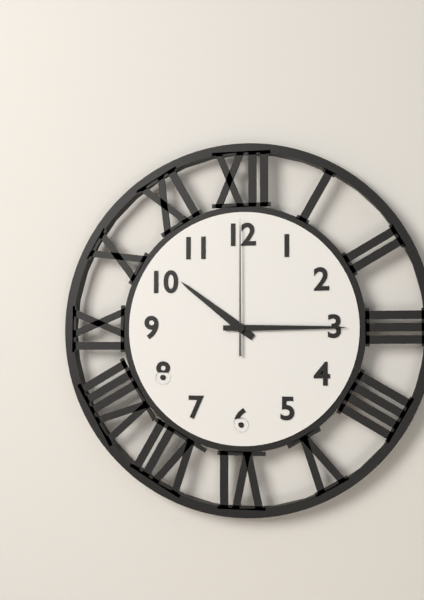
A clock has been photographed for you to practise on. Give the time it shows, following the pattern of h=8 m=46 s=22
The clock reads h=10 m=15 s=0
